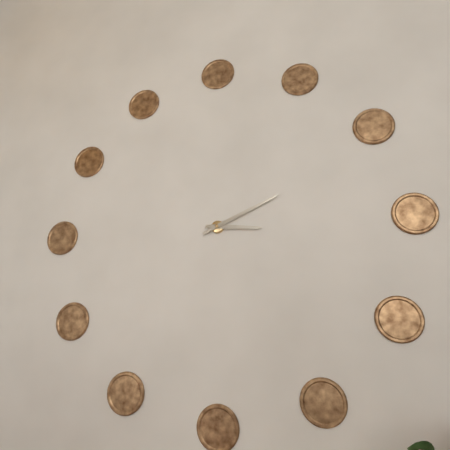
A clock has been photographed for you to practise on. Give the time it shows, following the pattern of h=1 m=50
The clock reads h=3 m=11
